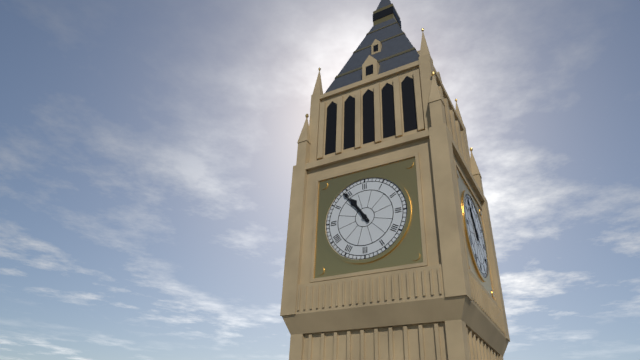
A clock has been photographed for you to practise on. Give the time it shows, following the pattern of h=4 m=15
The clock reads h=10 m=54
